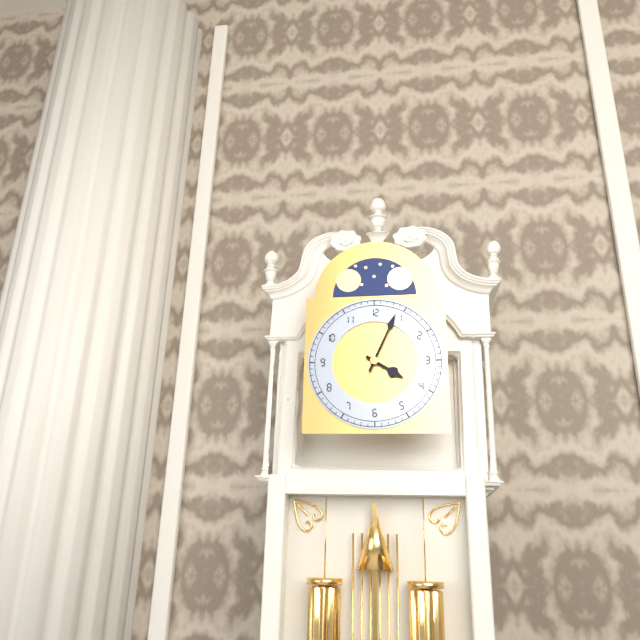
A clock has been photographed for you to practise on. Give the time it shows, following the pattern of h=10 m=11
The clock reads h=4 m=4
